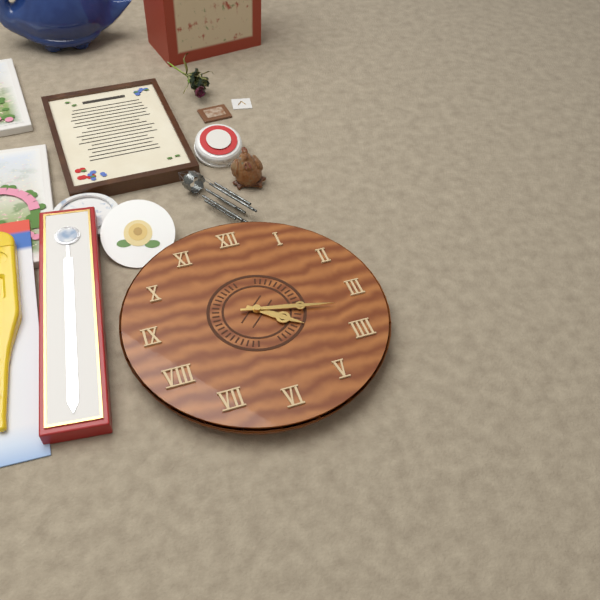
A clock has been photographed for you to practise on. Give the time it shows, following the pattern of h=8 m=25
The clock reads h=4 m=17
